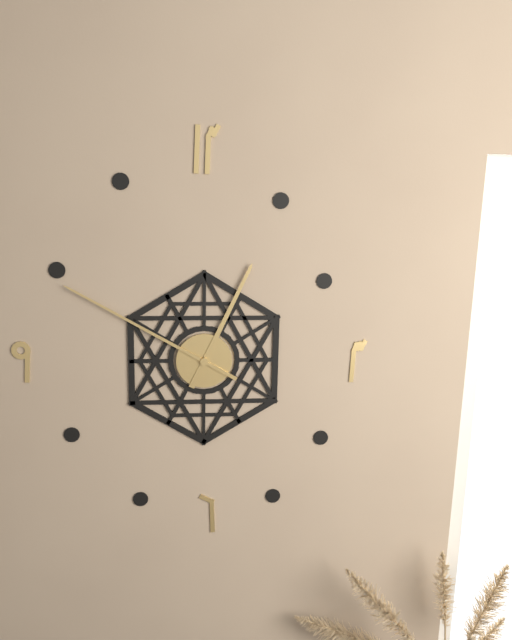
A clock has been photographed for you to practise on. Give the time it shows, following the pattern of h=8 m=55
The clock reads h=12 m=50
